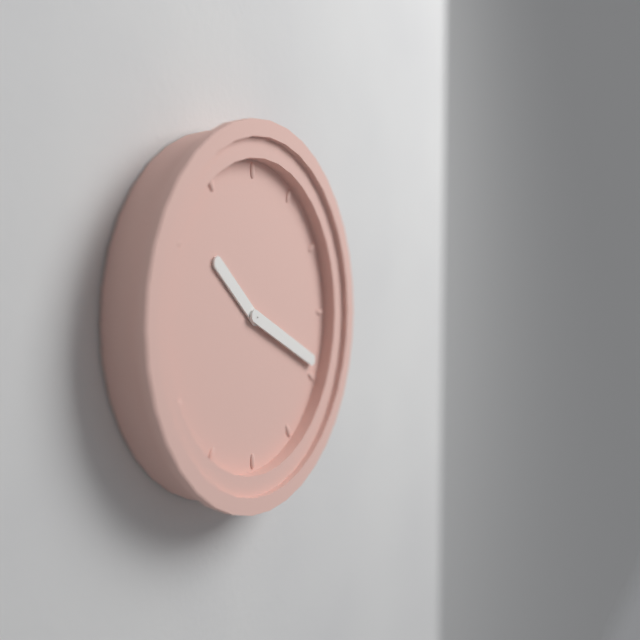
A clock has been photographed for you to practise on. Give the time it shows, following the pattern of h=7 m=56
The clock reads h=10 m=19
